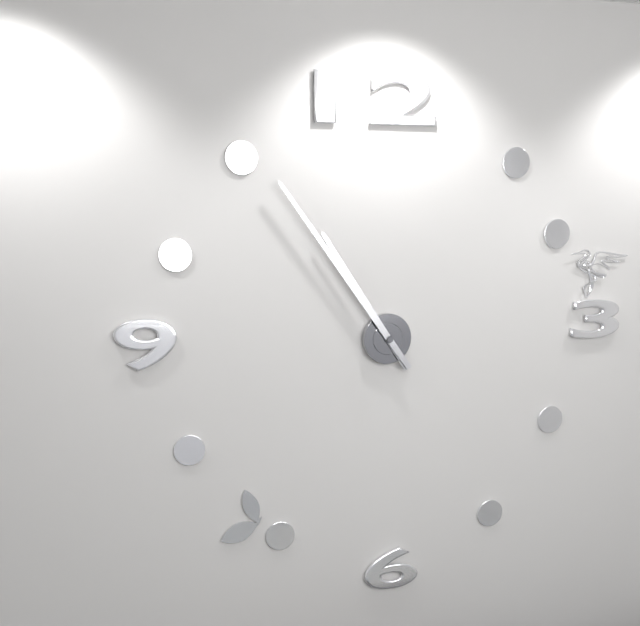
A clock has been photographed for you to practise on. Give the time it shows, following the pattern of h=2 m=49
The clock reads h=10 m=54
